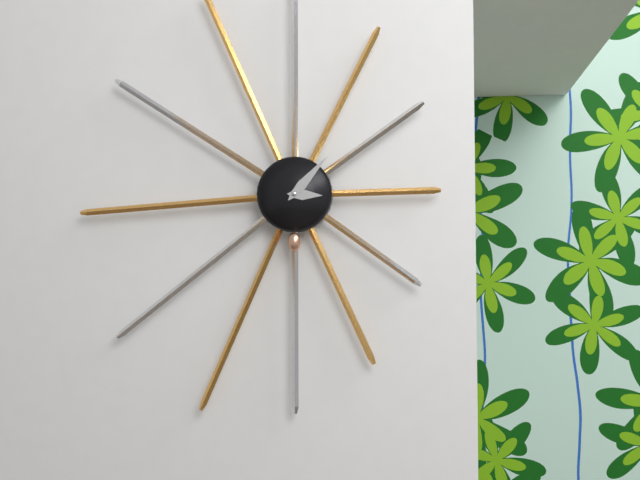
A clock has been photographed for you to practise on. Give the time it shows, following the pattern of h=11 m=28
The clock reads h=3 m=7
